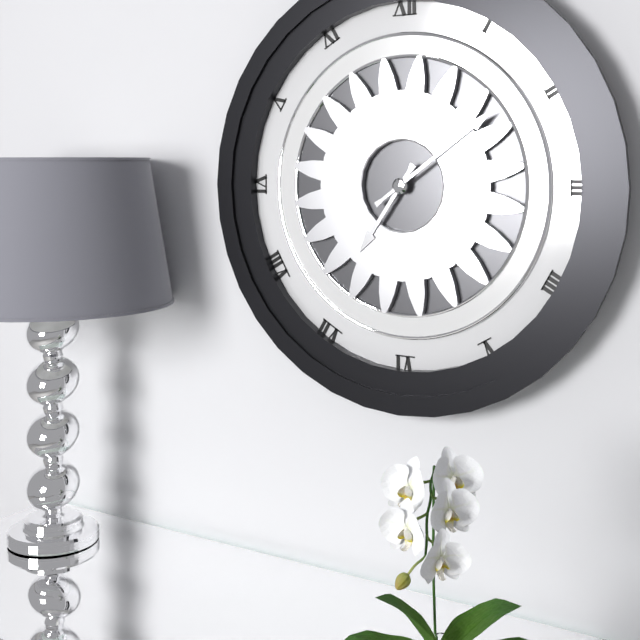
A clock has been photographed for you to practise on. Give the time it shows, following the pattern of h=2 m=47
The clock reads h=7 m=9
